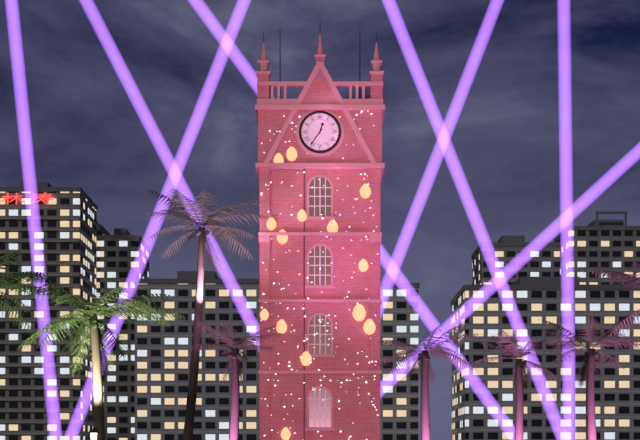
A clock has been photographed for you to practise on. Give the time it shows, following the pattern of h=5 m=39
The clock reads h=12 m=36
